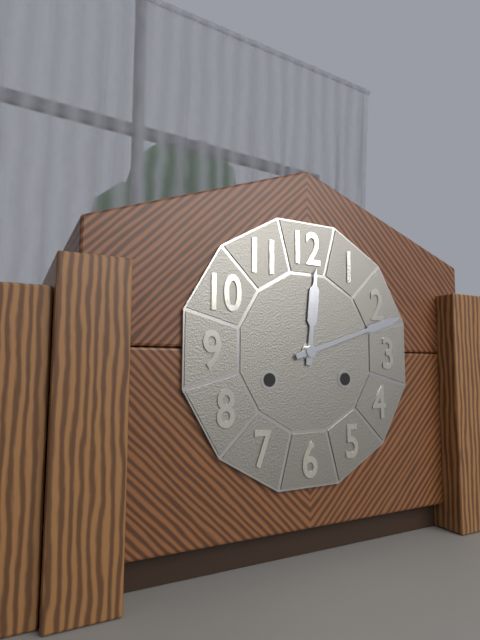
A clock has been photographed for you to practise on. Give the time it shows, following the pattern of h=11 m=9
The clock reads h=12 m=12
